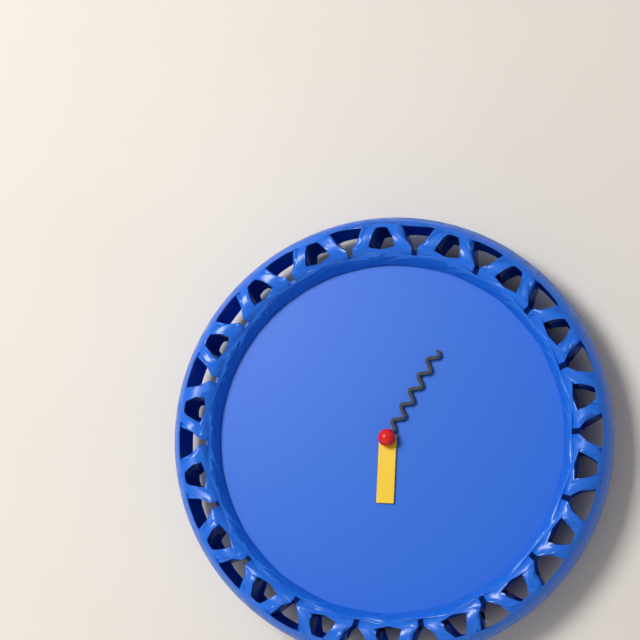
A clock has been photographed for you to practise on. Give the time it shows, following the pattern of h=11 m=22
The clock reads h=6 m=5
